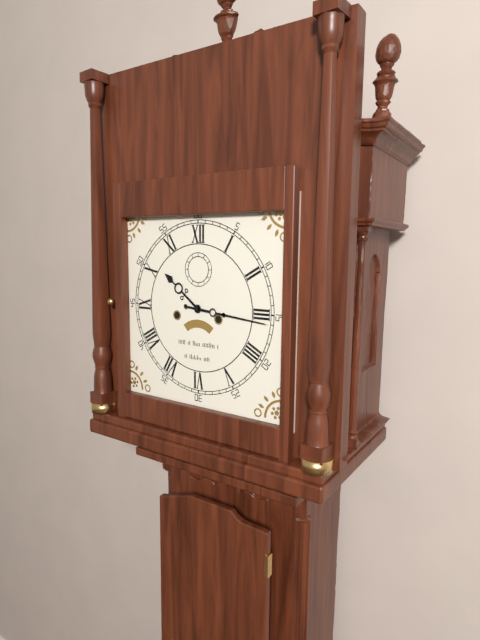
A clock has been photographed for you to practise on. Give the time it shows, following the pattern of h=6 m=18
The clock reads h=10 m=16
